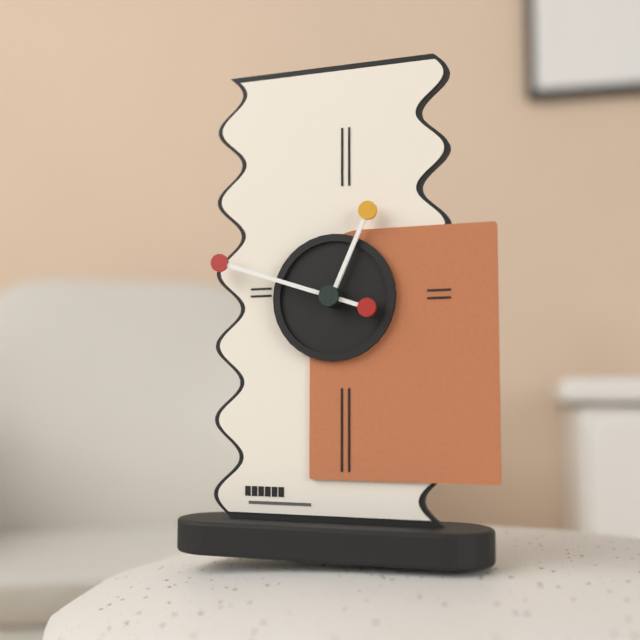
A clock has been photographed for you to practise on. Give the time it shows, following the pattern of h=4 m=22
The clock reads h=12 m=48
